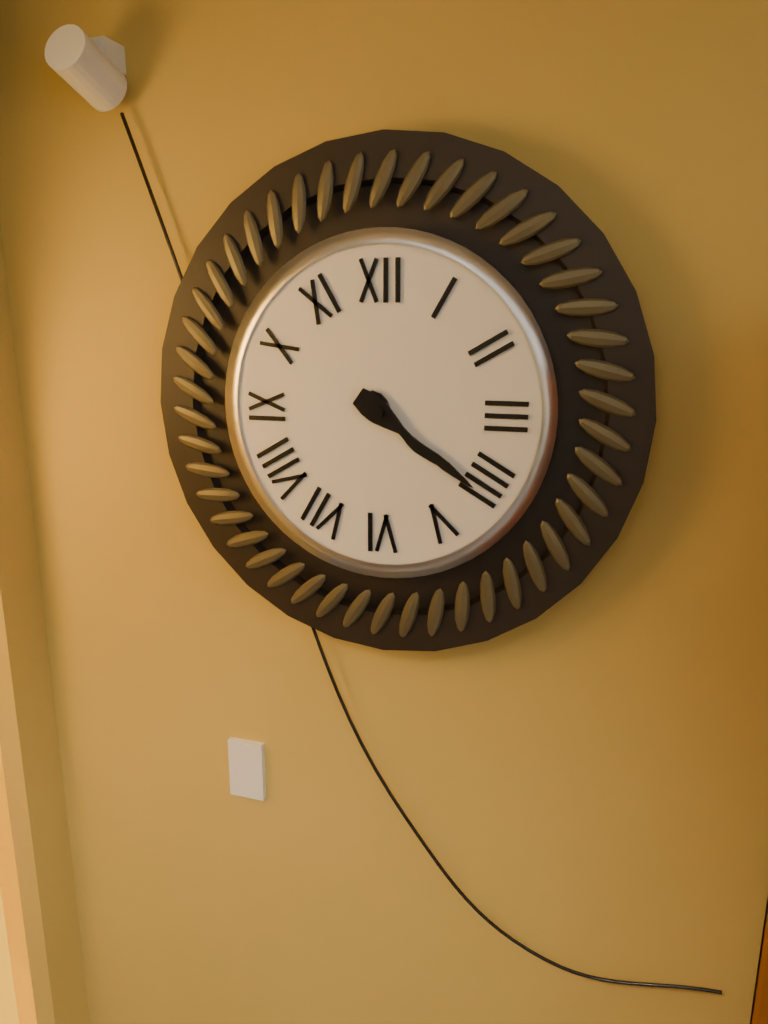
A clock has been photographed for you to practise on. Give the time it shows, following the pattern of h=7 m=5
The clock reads h=4 m=21
